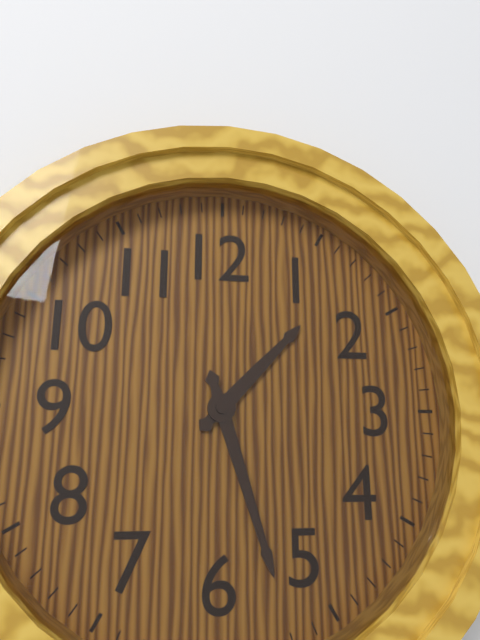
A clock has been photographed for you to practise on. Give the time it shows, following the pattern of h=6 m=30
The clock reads h=1 m=27
